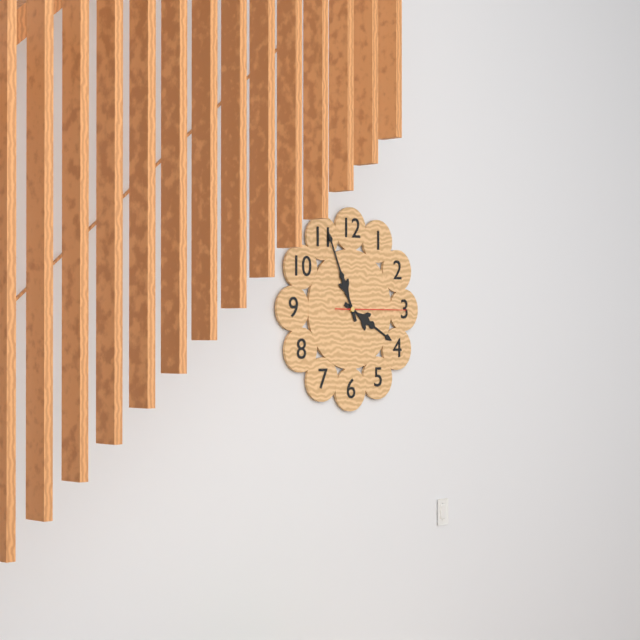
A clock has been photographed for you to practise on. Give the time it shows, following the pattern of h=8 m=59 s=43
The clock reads h=3 m=56 s=15
